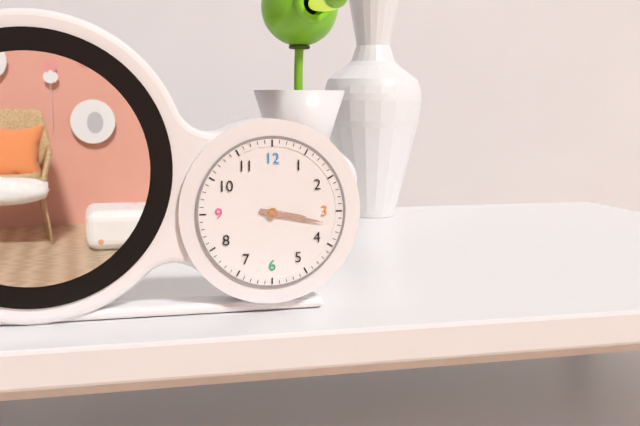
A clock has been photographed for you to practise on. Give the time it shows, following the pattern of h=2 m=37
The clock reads h=3 m=17
